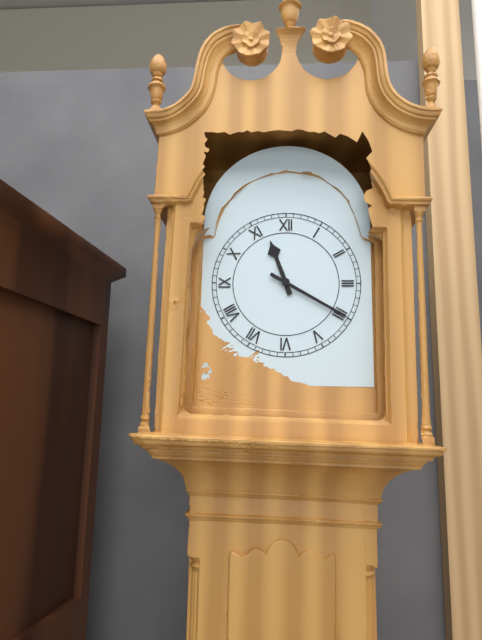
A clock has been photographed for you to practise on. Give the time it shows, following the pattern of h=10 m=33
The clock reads h=11 m=20
